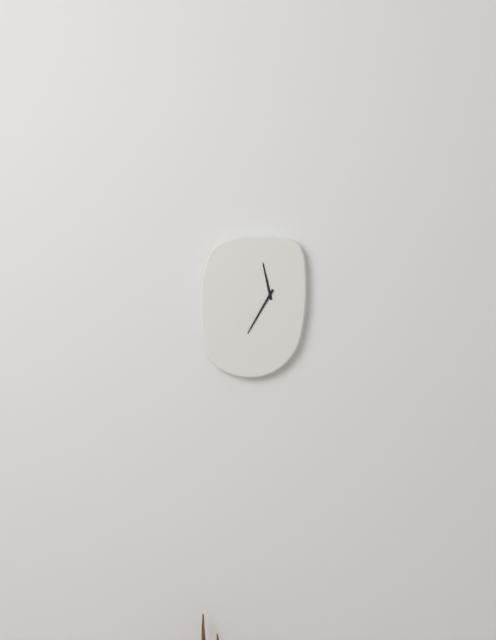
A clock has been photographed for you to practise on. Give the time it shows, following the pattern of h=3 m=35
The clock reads h=11 m=35
